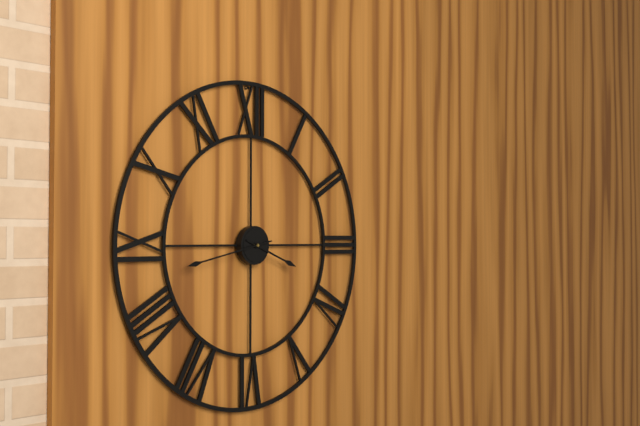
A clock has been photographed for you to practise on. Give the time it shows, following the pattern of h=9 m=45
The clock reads h=3 m=43
